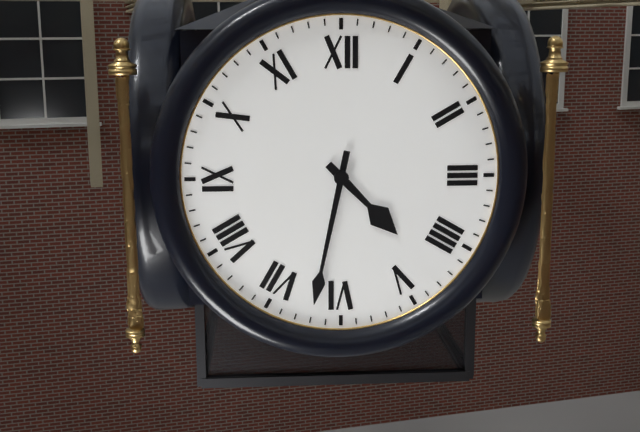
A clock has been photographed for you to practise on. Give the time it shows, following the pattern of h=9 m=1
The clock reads h=4 m=32
